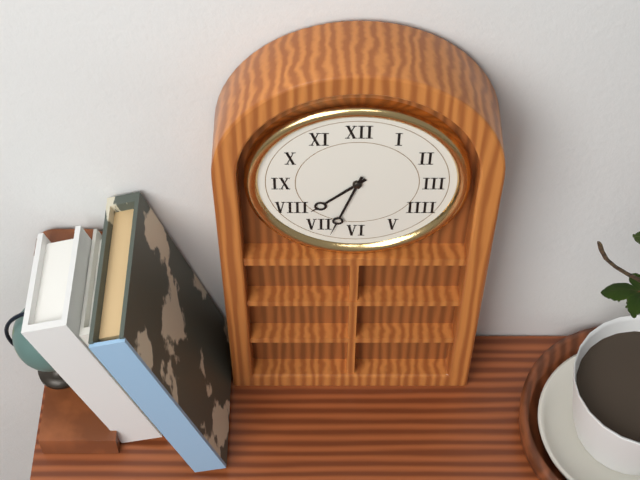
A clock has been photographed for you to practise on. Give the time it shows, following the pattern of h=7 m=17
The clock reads h=7 m=33
